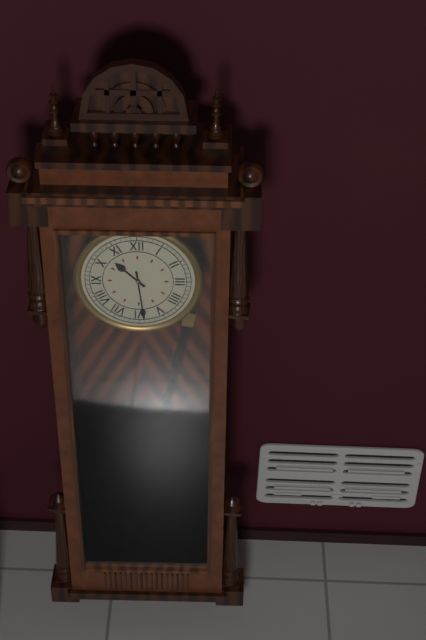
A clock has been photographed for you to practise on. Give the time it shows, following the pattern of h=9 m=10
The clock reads h=10 m=29
